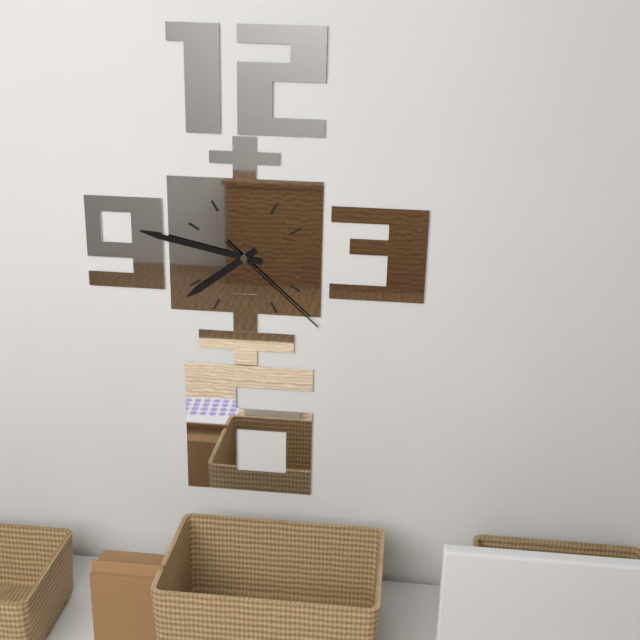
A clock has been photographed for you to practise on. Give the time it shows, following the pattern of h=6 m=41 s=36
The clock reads h=7 m=47 s=22
